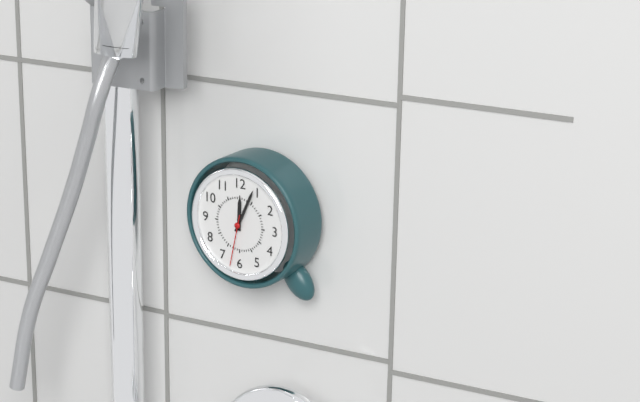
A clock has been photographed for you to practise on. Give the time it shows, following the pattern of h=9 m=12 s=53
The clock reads h=12 m=4 s=32
